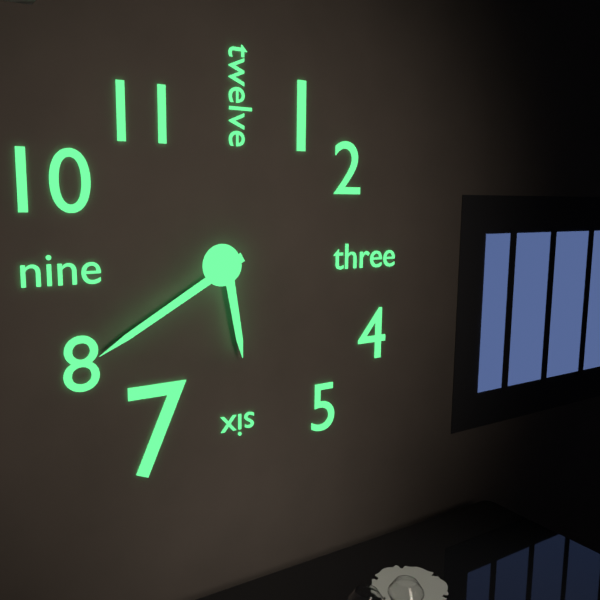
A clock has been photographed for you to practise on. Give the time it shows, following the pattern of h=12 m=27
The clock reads h=5 m=40
